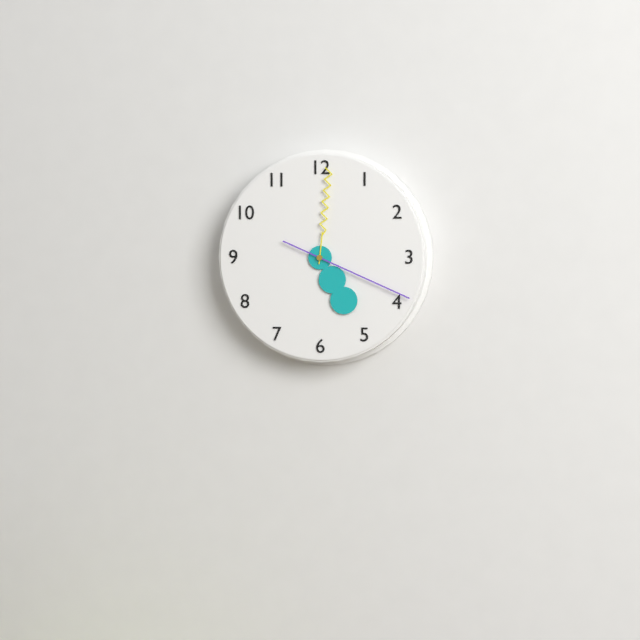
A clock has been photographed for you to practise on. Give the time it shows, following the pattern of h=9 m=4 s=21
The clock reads h=5 m=1 s=19
